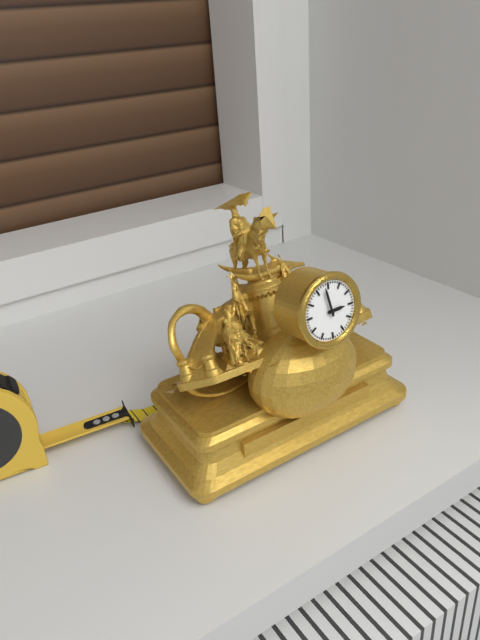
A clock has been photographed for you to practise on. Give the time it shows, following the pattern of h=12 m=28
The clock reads h=2 m=58
